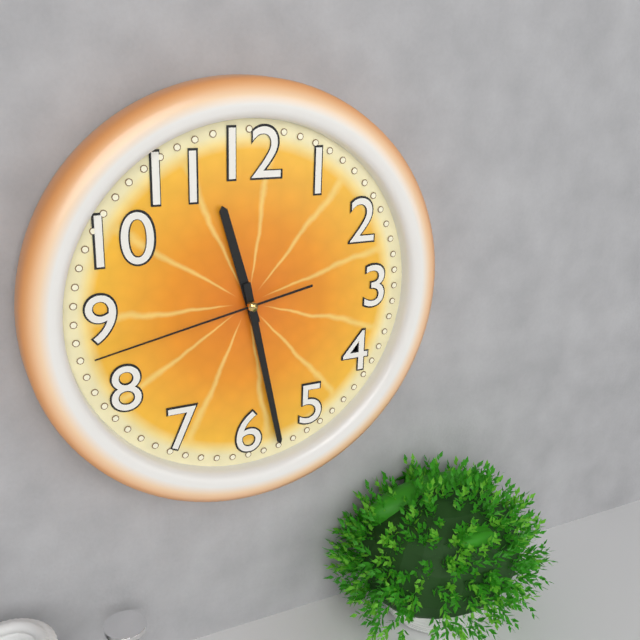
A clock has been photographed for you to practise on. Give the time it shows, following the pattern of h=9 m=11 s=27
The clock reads h=11 m=28 s=43
